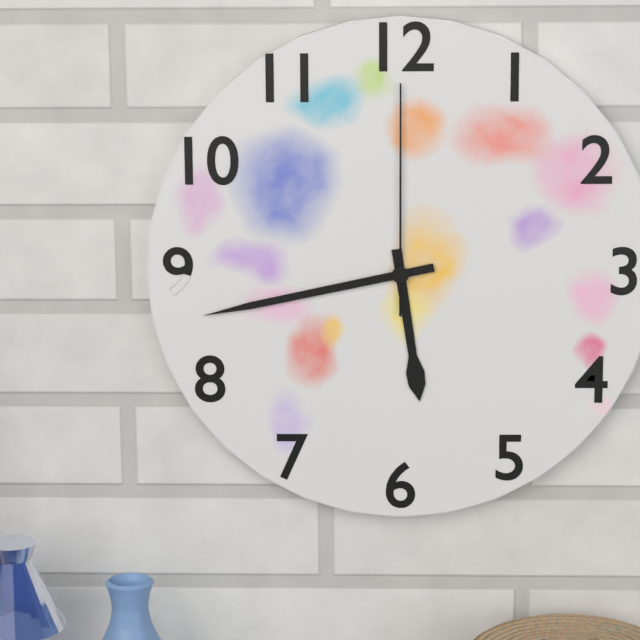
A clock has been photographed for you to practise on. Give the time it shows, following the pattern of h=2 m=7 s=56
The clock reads h=5 m=43 s=0
